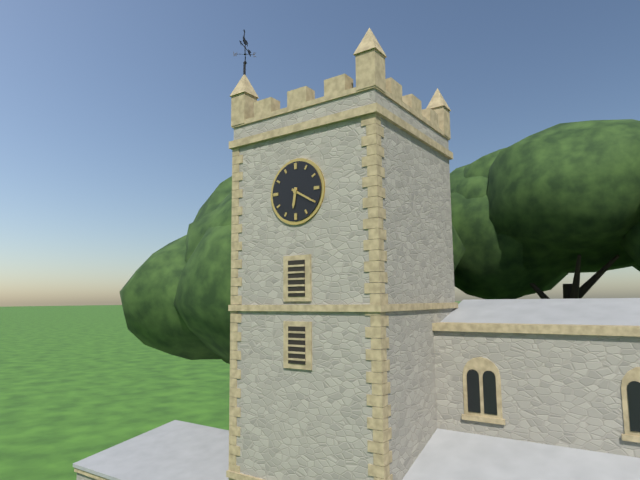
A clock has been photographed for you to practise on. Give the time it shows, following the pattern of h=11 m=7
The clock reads h=6 m=20
